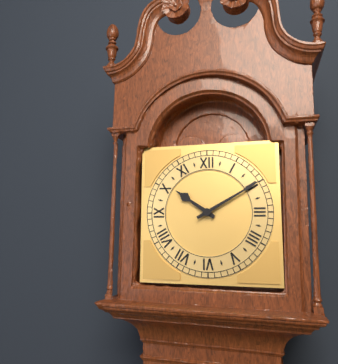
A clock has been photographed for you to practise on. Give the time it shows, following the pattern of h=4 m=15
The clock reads h=10 m=10
